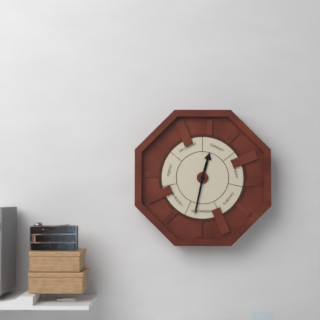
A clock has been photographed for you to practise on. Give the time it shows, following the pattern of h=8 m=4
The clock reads h=12 m=32
